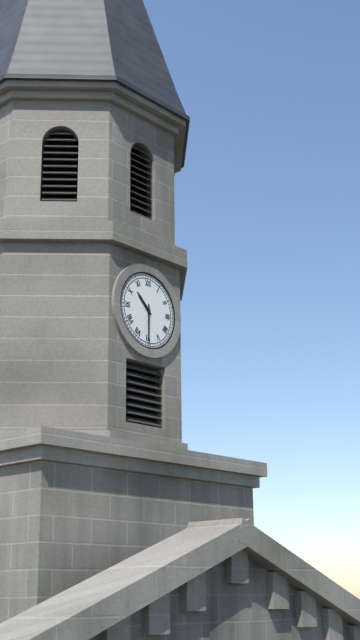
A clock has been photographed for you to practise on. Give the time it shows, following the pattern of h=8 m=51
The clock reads h=10 m=30
